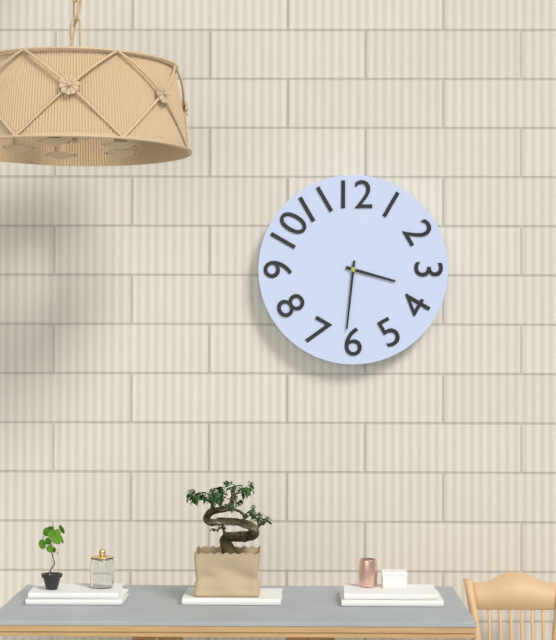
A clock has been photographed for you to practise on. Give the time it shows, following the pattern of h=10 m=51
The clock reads h=3 m=31
